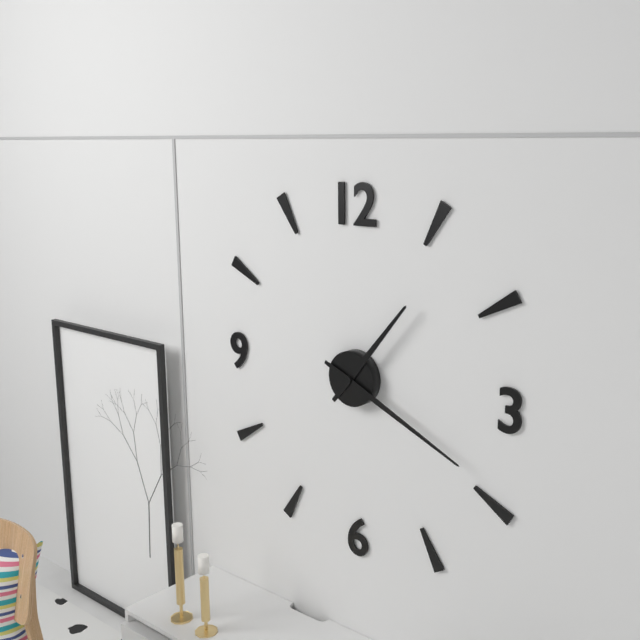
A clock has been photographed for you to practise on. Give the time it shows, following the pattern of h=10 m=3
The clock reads h=1 m=19
